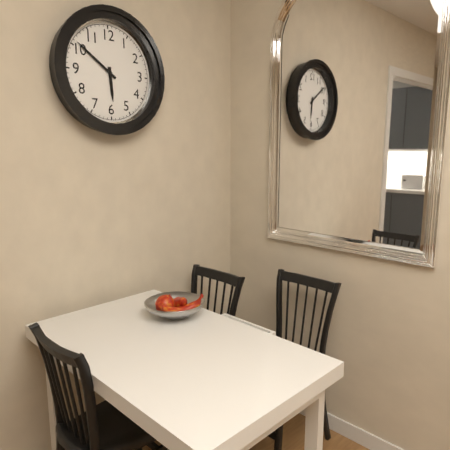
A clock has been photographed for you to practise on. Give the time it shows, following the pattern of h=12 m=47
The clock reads h=5 m=51
